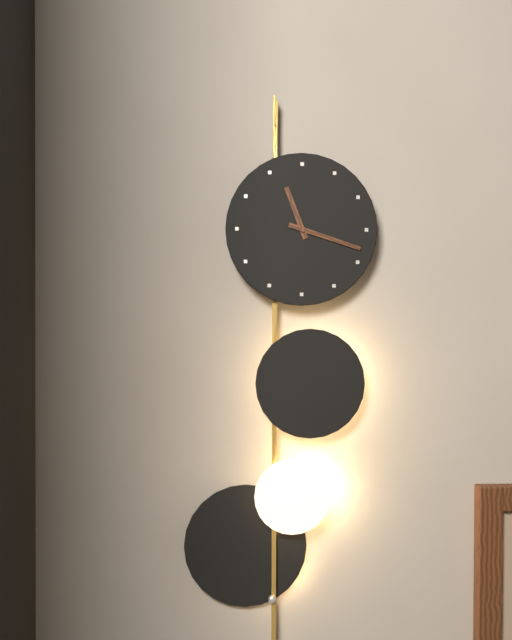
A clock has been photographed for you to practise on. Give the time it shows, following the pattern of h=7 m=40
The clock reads h=11 m=18
